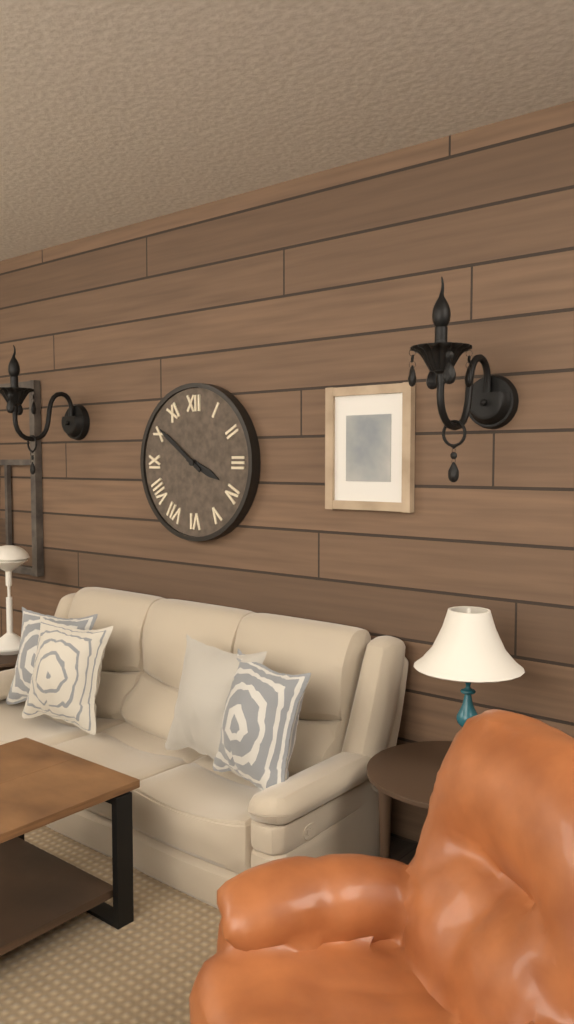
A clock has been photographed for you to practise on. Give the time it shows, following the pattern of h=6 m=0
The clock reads h=3 m=51
